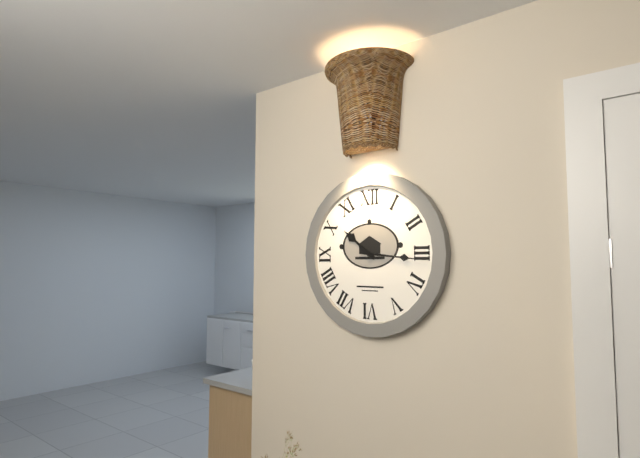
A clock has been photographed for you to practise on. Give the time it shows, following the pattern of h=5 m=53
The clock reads h=10 m=16
